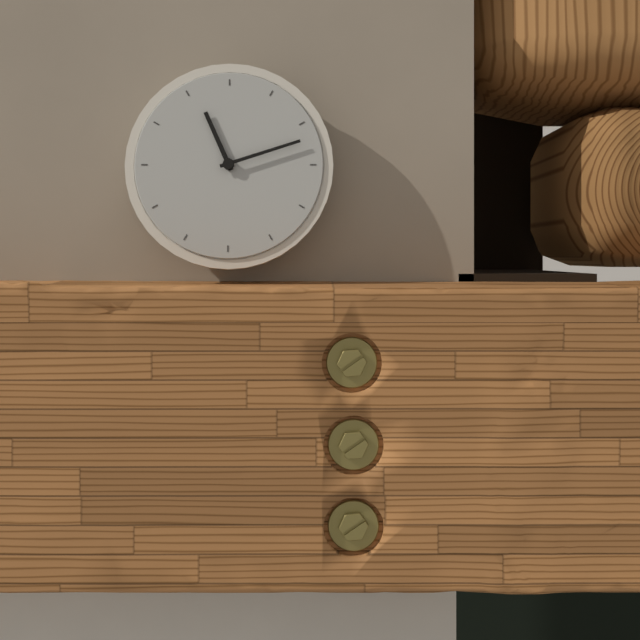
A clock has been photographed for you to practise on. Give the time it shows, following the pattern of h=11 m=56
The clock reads h=11 m=12
